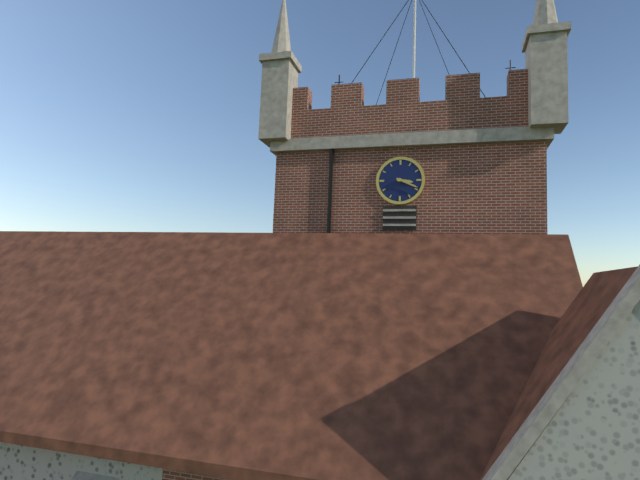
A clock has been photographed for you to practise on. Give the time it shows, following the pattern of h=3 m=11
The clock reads h=3 m=19
